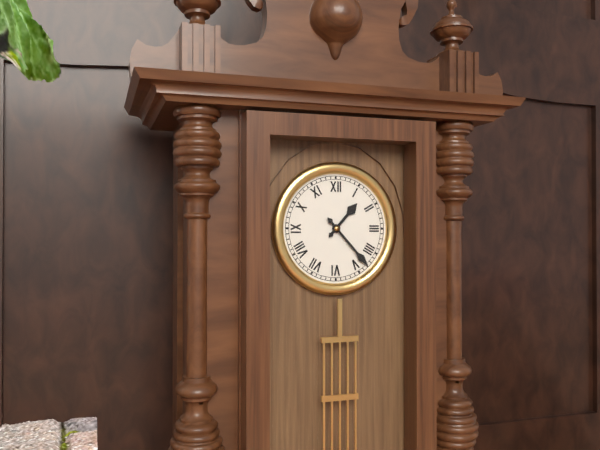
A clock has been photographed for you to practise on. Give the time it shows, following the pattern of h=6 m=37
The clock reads h=1 m=23
